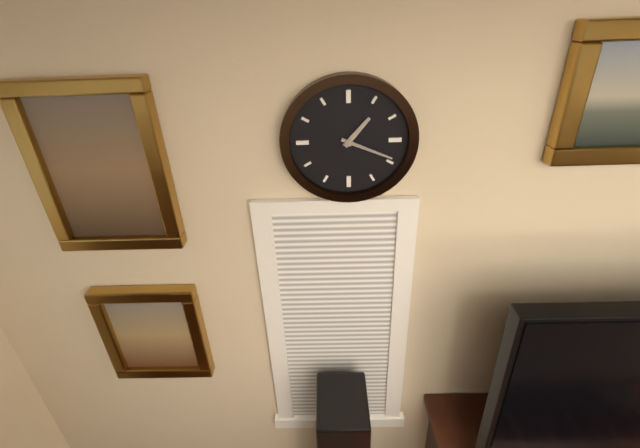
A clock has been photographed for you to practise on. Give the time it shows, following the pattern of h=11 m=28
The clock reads h=1 m=19
